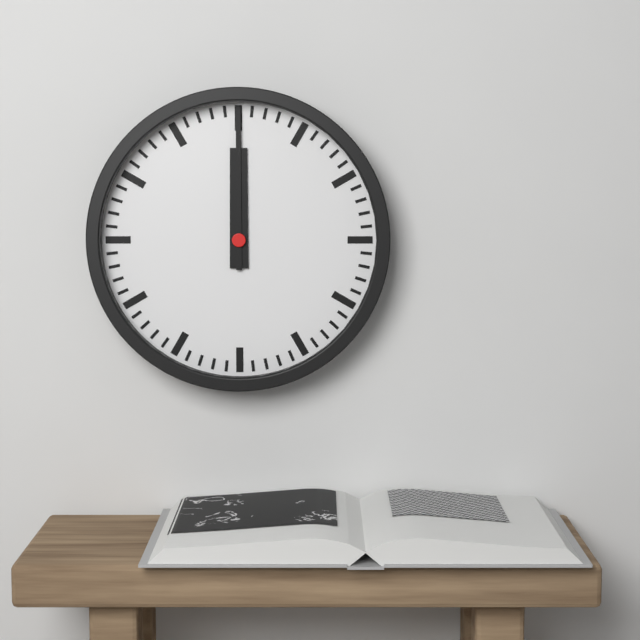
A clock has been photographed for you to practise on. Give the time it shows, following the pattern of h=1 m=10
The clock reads h=12 m=0
